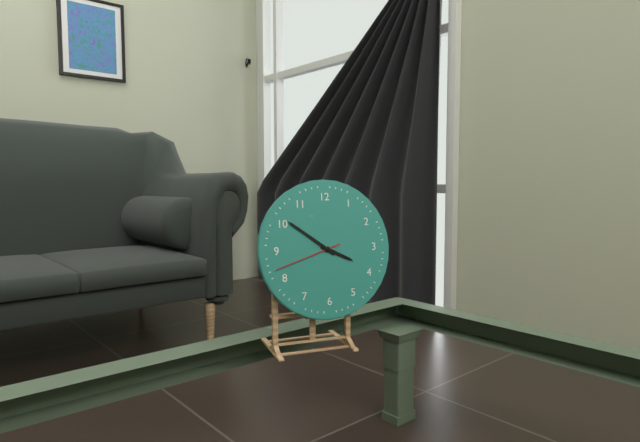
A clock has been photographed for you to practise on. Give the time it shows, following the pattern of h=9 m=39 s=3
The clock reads h=3 m=51 s=42
